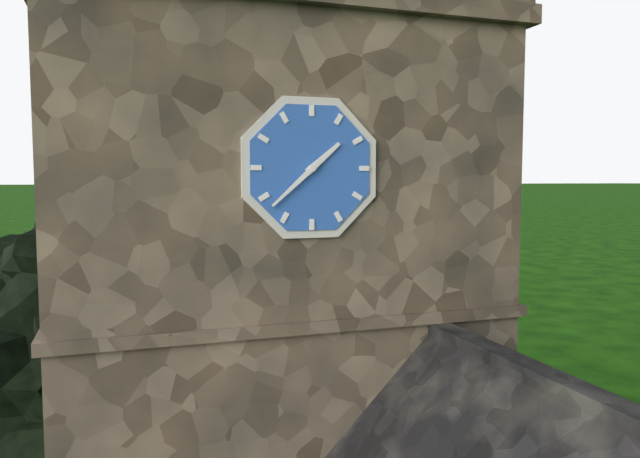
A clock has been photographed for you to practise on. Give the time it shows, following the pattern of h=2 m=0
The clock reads h=1 m=38
